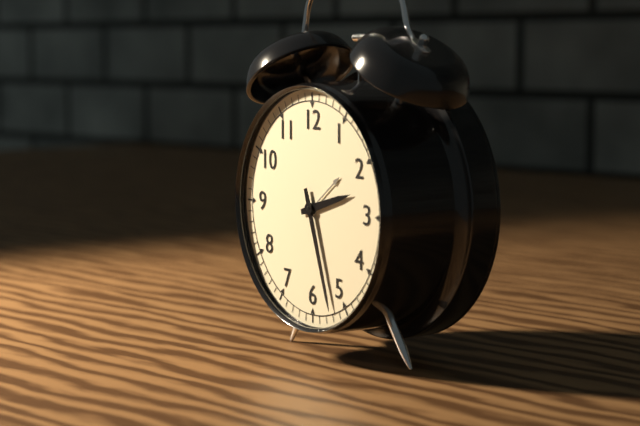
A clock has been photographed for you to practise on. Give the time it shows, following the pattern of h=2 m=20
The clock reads h=2 m=27
